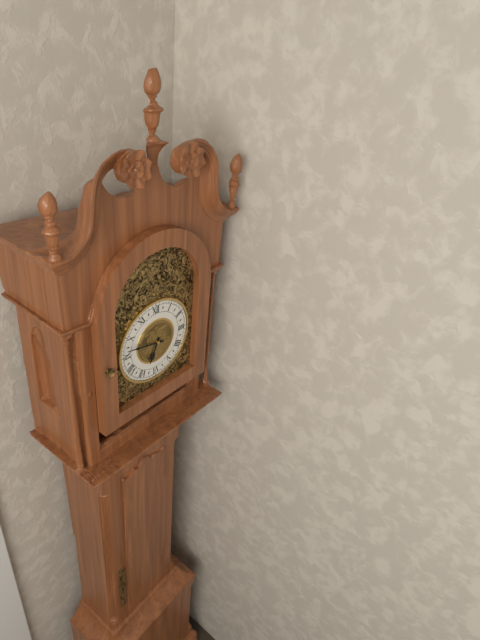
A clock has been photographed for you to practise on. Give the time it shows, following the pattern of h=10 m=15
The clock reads h=6 m=47
